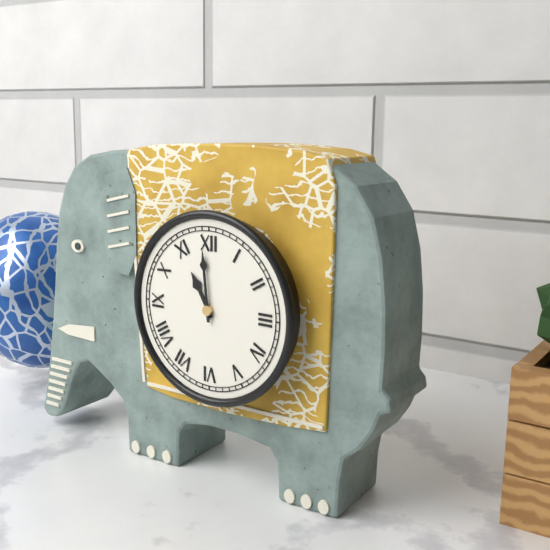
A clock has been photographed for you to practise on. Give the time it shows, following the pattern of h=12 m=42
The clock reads h=10 m=59
